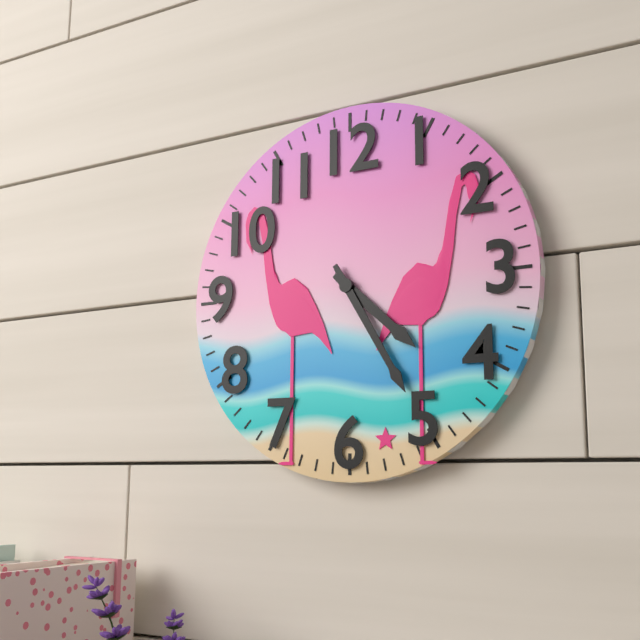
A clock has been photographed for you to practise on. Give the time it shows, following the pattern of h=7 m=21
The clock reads h=4 m=25
